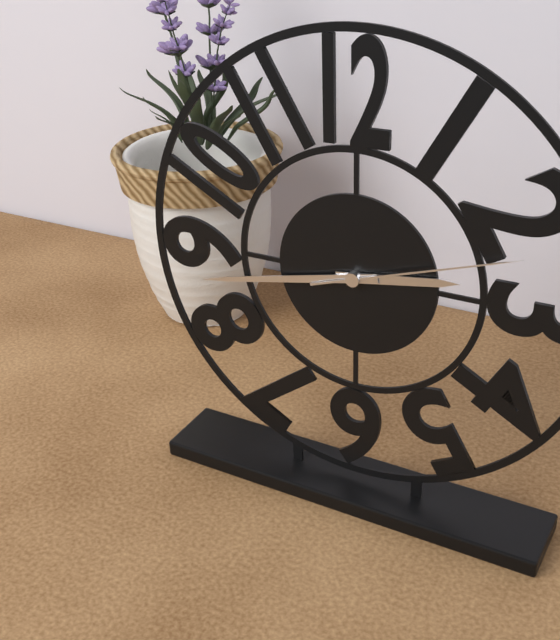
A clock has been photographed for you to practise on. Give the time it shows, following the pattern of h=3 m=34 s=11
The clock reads h=2 m=43 s=12
